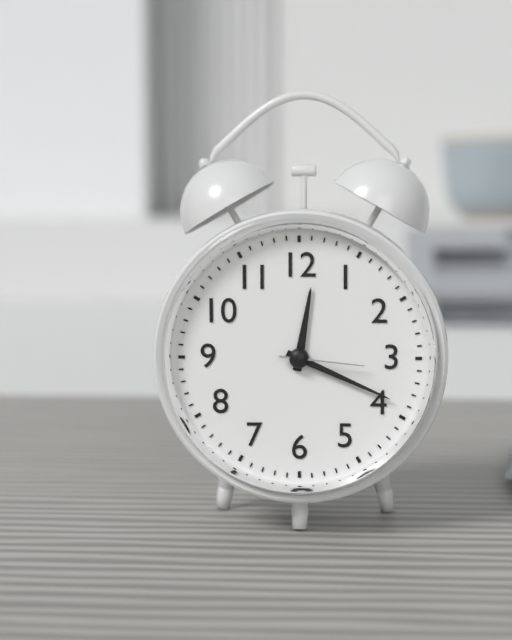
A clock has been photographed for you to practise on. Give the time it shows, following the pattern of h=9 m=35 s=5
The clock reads h=12 m=19 s=16
